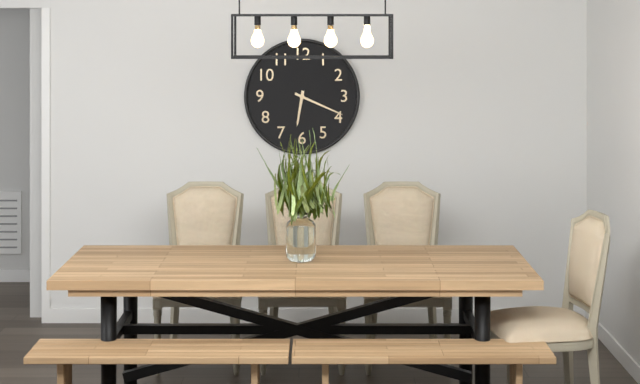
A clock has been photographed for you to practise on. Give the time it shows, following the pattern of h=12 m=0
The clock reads h=6 m=19
